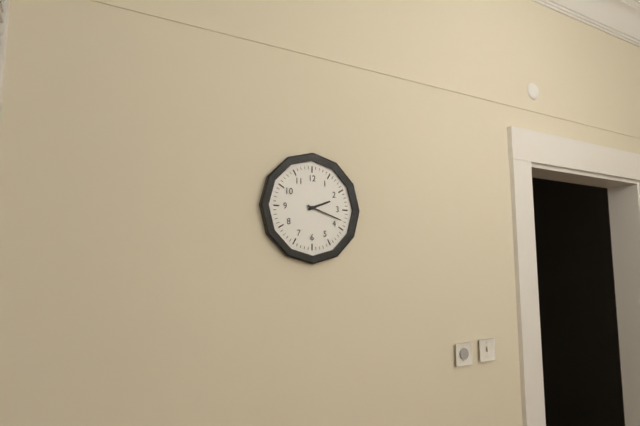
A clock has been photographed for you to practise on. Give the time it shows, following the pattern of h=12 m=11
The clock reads h=2 m=18
